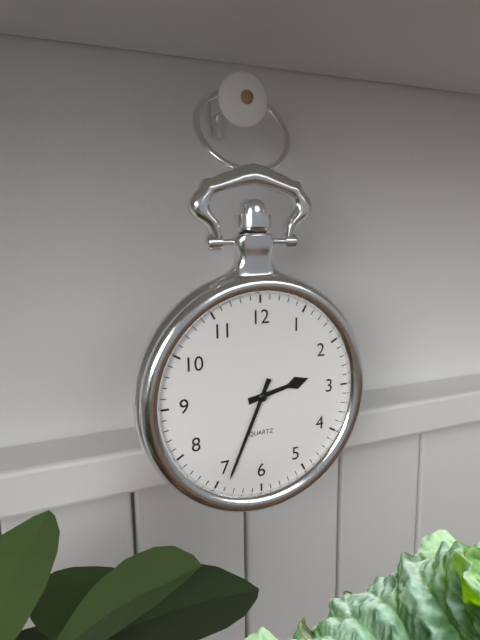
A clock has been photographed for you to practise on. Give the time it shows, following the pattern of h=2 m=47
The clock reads h=2 m=34
